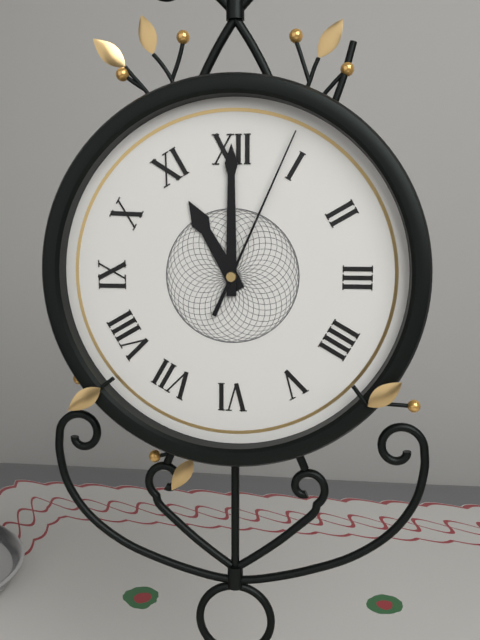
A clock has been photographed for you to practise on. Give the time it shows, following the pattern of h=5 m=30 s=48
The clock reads h=11 m=0 s=4
